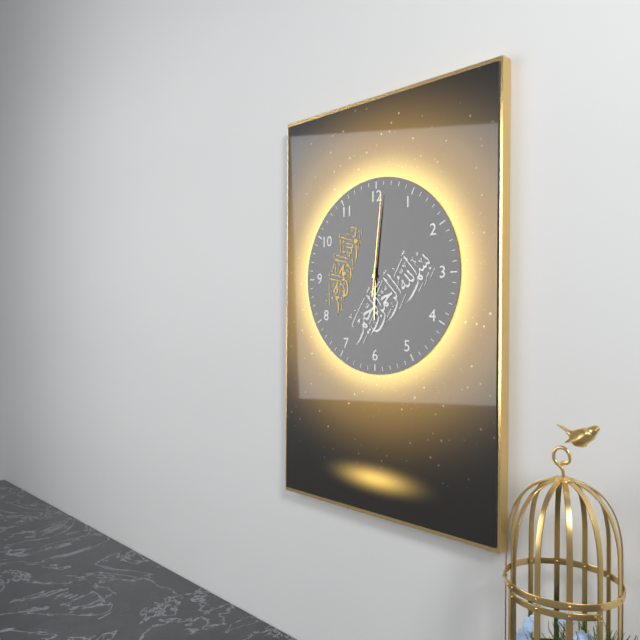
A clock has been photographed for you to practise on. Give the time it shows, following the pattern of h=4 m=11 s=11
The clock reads h=6 m=1 s=1
